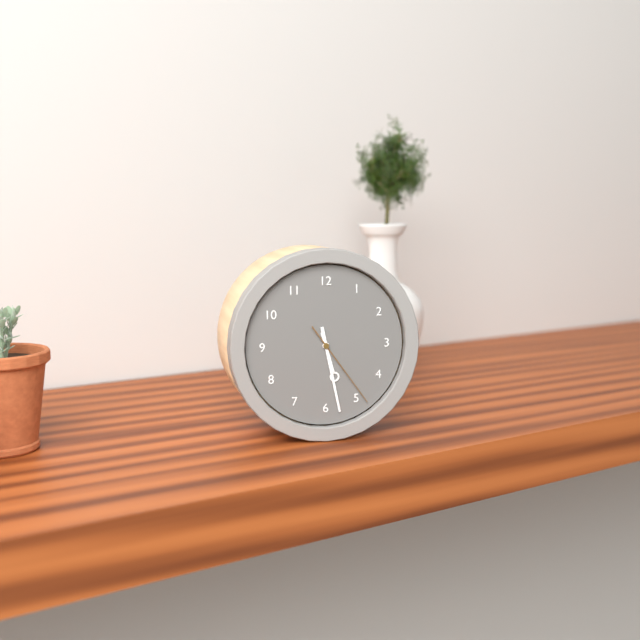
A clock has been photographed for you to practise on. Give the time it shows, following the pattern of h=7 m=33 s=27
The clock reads h=5 m=28 s=24
